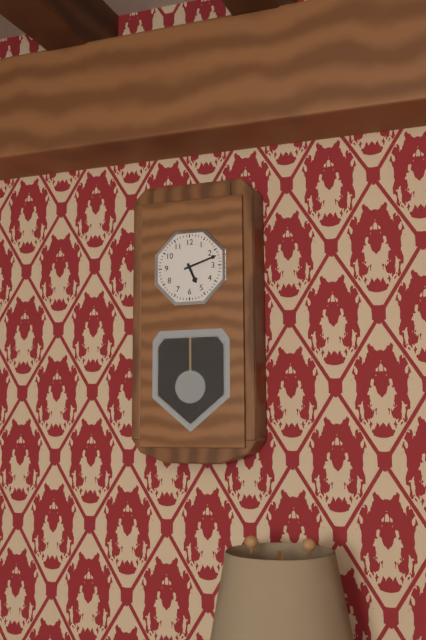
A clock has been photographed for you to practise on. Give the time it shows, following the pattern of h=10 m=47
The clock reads h=5 m=12
